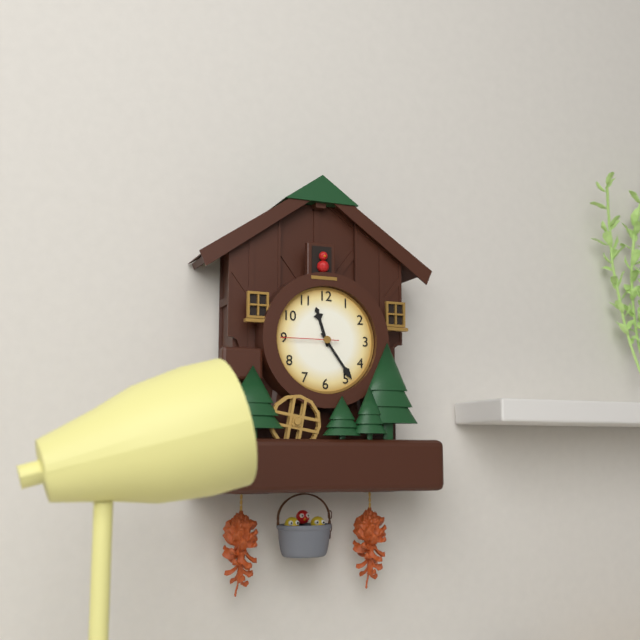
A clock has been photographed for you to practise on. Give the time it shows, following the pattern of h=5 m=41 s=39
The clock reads h=11 m=24 s=45
